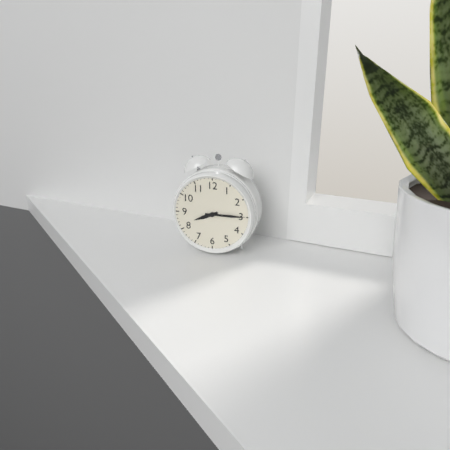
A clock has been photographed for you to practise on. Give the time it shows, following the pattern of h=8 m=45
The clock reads h=8 m=15
